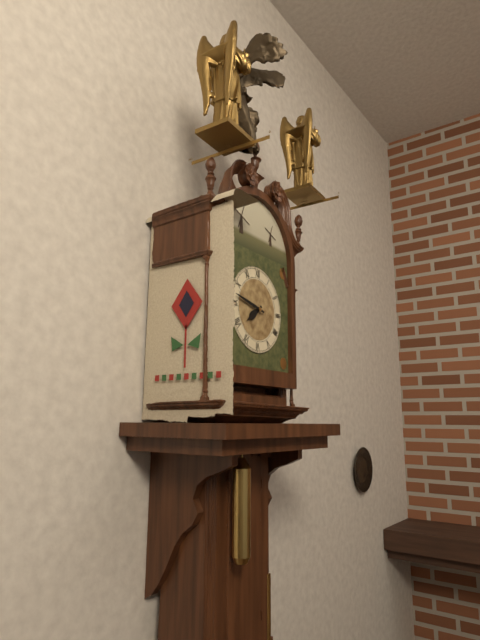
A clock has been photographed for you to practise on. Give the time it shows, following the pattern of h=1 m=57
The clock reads h=7 m=47
